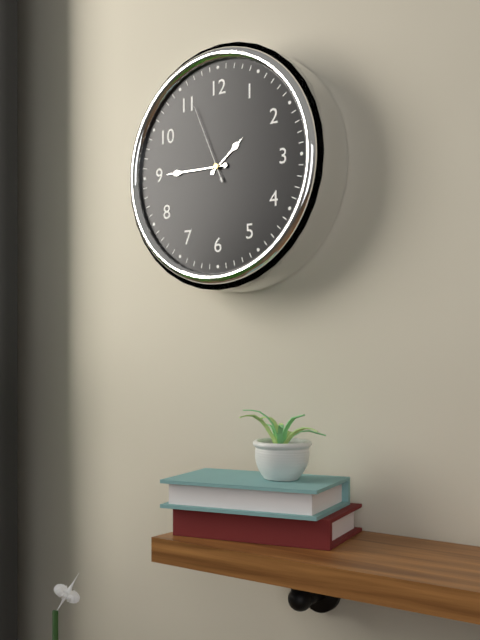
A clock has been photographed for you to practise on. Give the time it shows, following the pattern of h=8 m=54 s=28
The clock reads h=1 m=45 s=56
